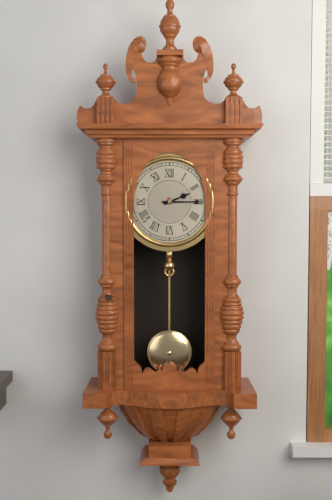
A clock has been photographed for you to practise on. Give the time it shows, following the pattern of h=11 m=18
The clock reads h=2 m=15
